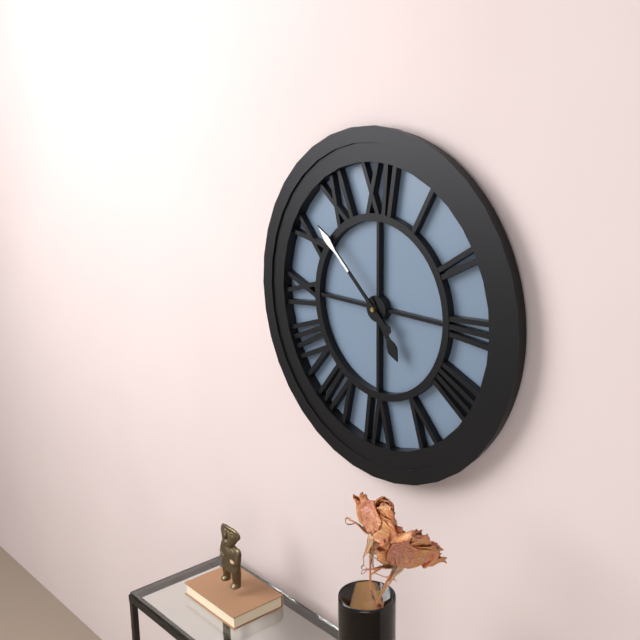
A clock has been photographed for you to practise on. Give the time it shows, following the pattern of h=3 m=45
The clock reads h=4 m=52
